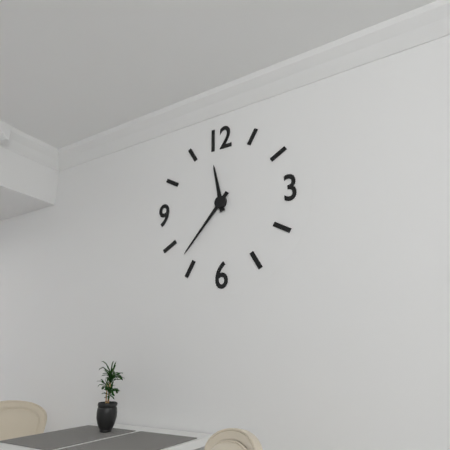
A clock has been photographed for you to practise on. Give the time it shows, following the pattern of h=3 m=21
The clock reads h=11 m=37
